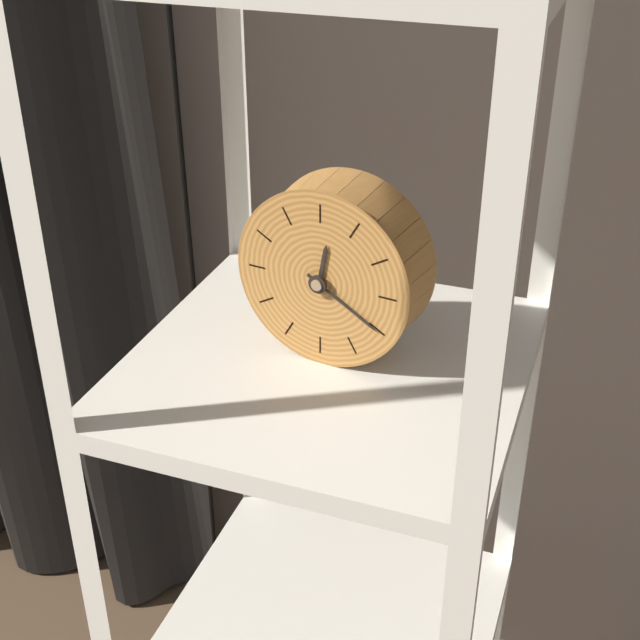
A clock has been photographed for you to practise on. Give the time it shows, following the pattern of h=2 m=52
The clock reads h=12 m=20
